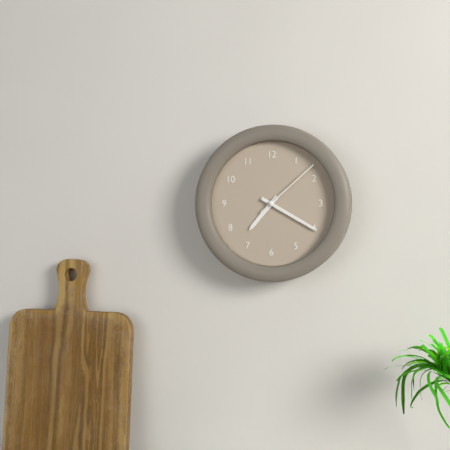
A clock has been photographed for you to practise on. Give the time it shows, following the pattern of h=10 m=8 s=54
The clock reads h=7 m=20 s=8
